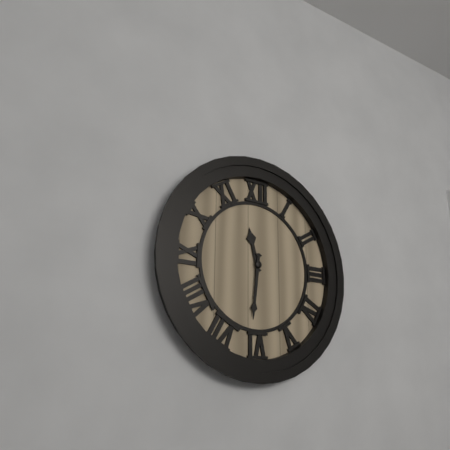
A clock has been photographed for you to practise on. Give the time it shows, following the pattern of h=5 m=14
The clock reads h=11 m=31
